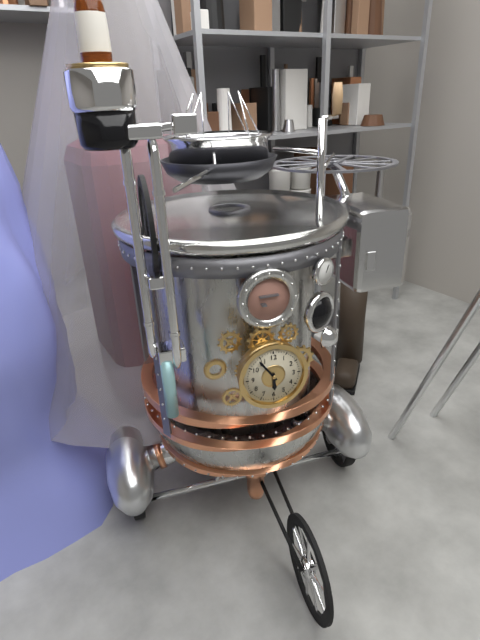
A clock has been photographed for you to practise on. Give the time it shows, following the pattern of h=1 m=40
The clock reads h=5 m=54
